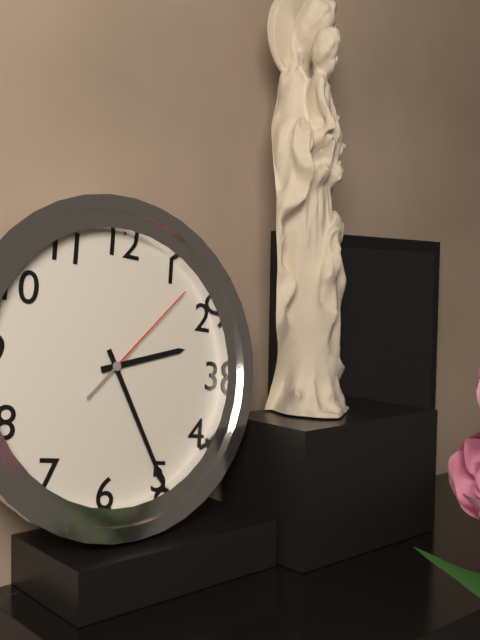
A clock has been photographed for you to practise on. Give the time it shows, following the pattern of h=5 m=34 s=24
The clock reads h=2 m=25 s=7
